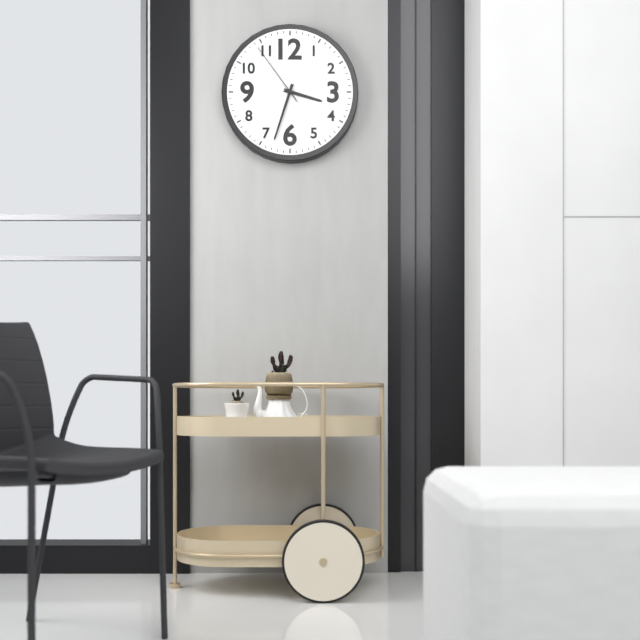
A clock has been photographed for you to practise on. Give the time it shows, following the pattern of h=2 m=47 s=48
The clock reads h=3 m=33 s=54
